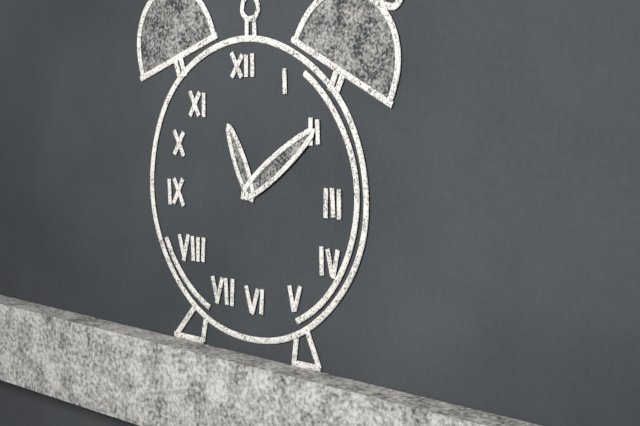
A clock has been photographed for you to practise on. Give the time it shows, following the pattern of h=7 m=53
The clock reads h=11 m=9
